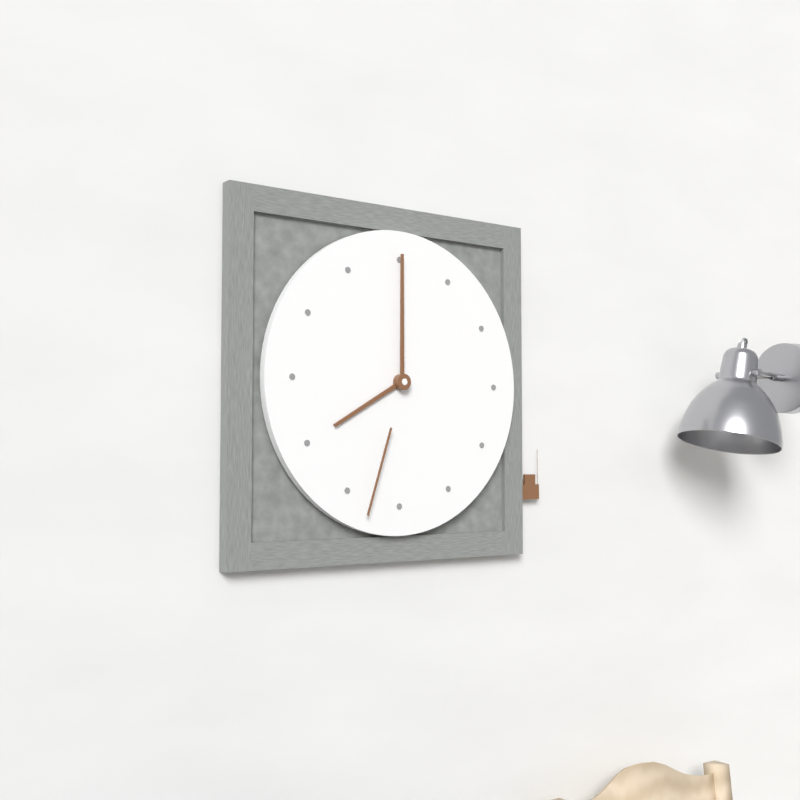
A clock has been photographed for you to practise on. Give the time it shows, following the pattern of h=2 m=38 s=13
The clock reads h=8 m=0 s=33
